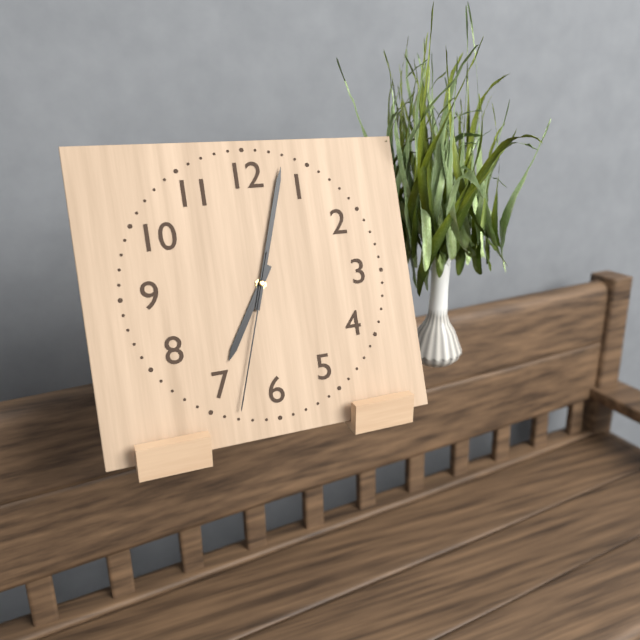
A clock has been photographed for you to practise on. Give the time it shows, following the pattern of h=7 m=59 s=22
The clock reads h=7 m=3 s=33
